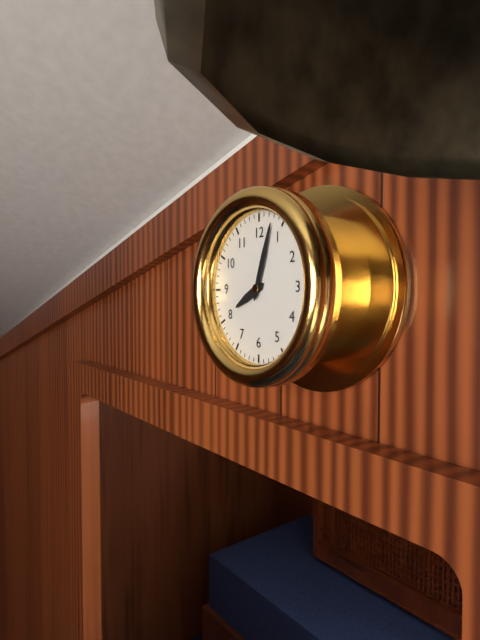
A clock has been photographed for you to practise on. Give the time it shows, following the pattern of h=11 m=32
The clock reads h=8 m=3
